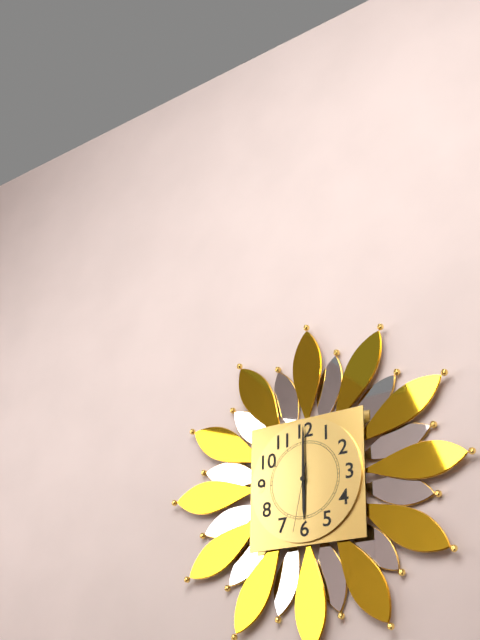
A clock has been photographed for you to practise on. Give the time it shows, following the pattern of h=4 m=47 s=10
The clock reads h=6 m=0 s=32
